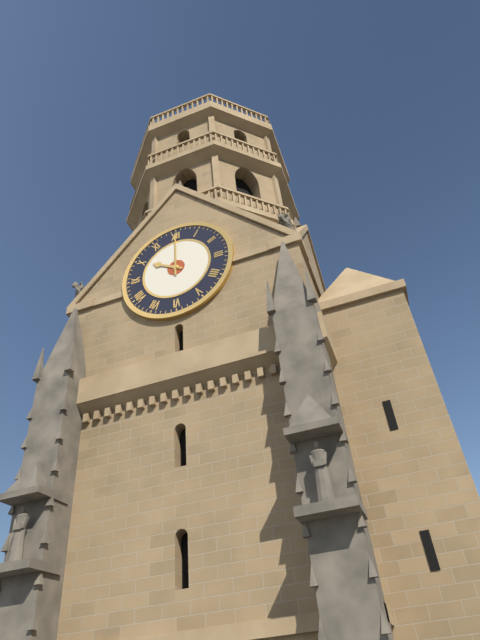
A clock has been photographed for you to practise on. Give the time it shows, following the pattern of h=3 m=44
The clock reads h=10 m=0
